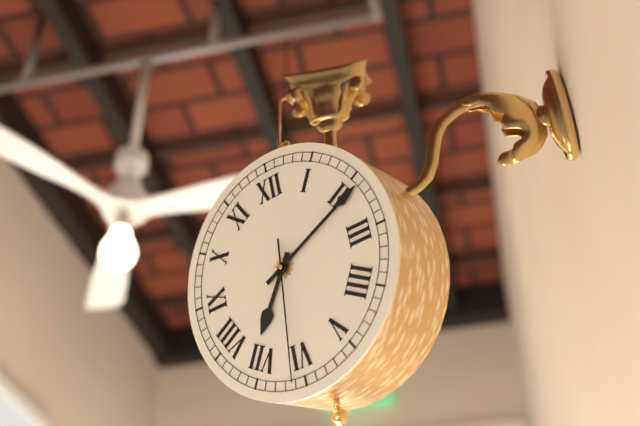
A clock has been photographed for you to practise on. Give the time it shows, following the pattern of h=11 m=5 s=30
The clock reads h=7 m=11 s=31
